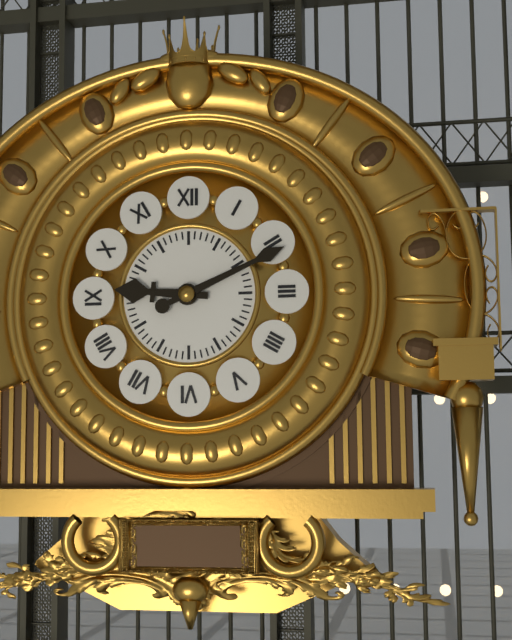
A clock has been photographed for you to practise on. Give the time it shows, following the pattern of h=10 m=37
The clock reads h=9 m=11
